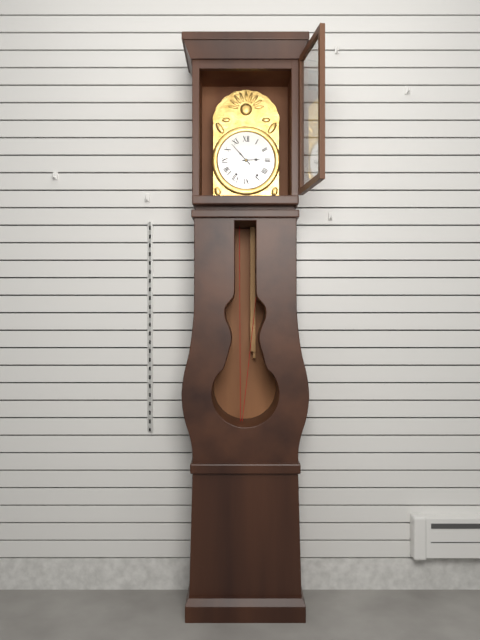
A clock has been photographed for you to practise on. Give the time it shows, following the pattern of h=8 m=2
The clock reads h=2 m=53
